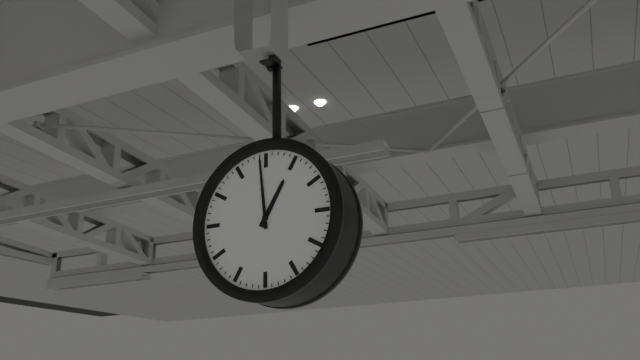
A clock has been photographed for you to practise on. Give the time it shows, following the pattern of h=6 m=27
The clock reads h=12 m=59
